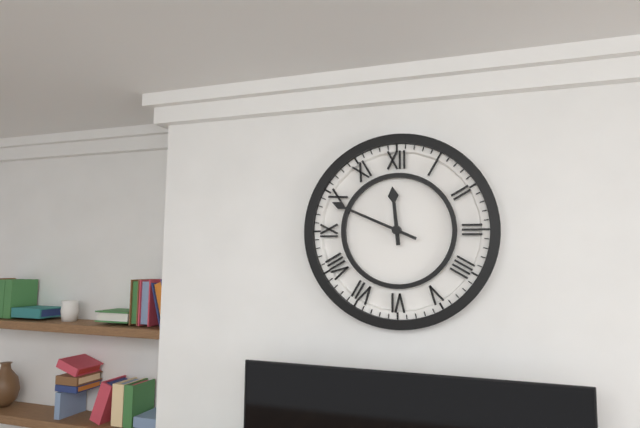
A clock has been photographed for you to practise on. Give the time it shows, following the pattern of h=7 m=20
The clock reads h=11 m=49
